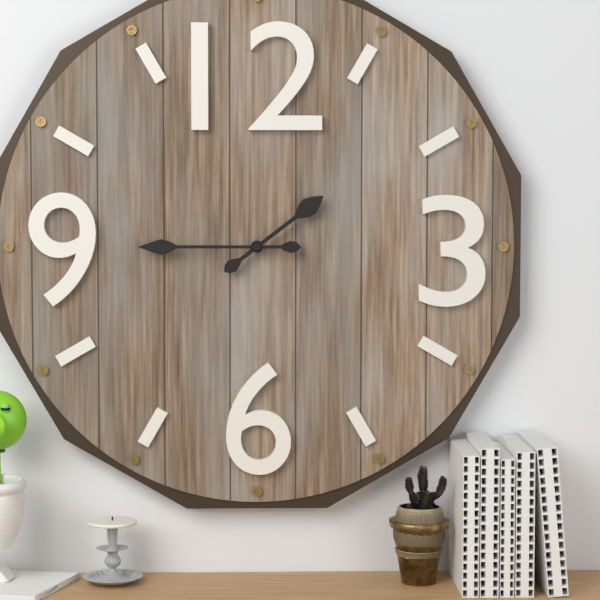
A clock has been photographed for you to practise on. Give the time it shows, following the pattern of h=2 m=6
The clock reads h=1 m=45
